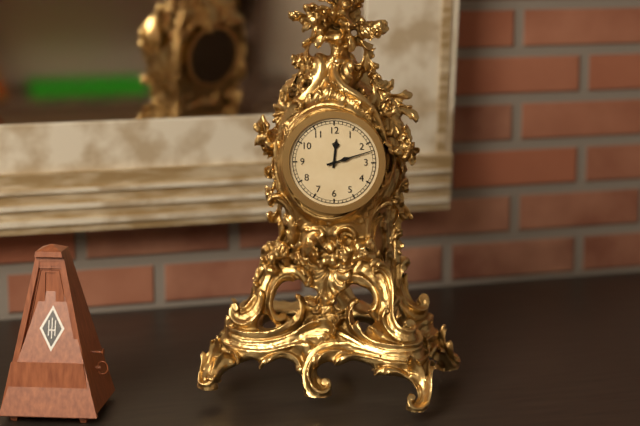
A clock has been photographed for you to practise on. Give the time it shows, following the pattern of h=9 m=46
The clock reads h=12 m=12
